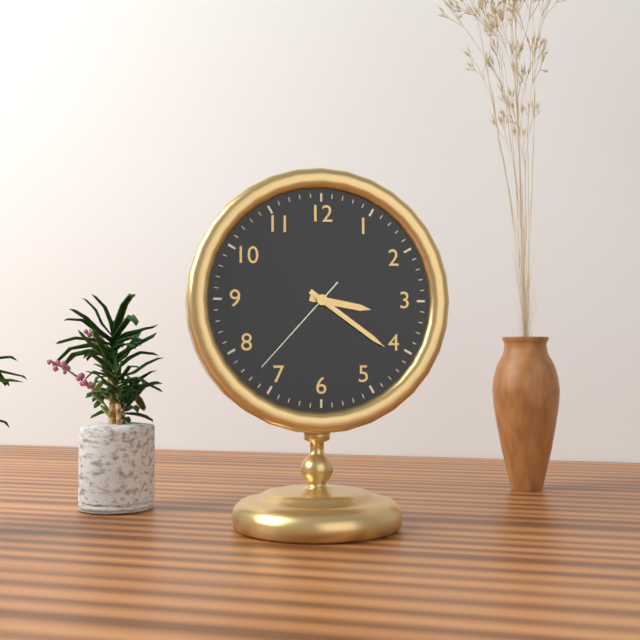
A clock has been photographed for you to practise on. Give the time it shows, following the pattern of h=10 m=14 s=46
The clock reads h=3 m=21 s=37
